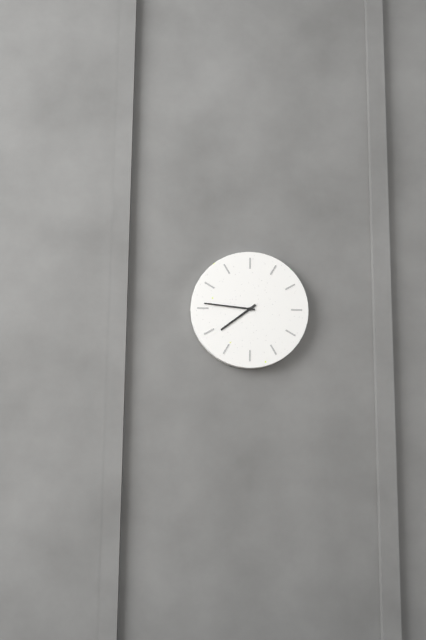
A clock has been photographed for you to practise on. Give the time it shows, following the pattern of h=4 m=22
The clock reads h=7 m=46
